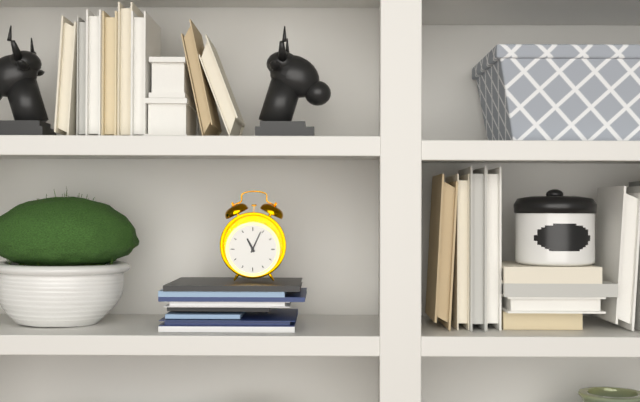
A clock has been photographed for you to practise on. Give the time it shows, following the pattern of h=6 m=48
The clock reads h=11 m=4
